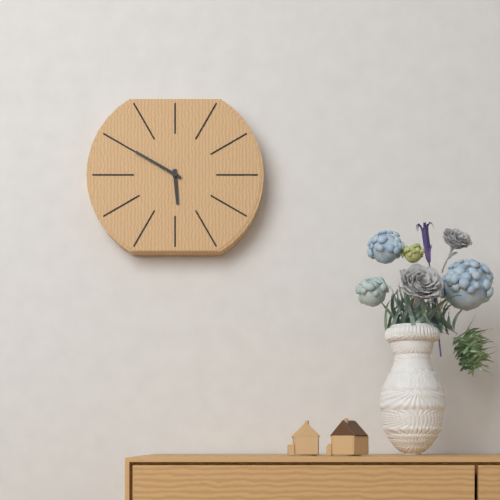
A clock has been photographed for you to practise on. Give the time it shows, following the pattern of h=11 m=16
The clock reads h=5 m=50
